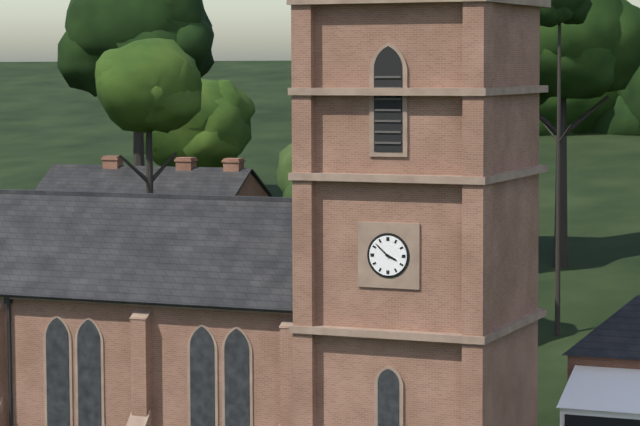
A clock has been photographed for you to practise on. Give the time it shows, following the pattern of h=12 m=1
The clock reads h=3 m=52
